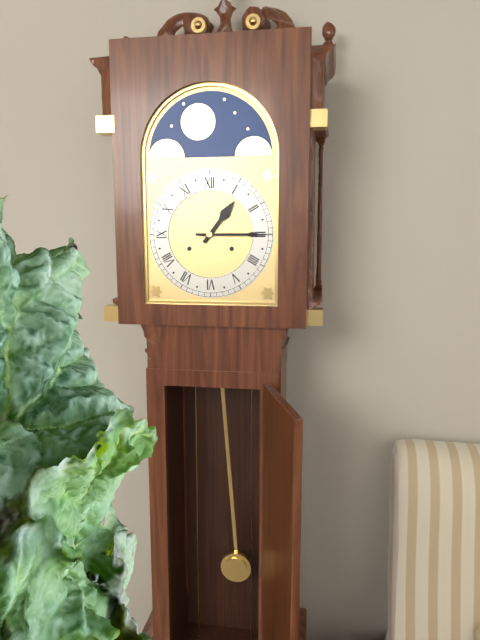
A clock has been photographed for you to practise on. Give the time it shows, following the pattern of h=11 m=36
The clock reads h=1 m=15
